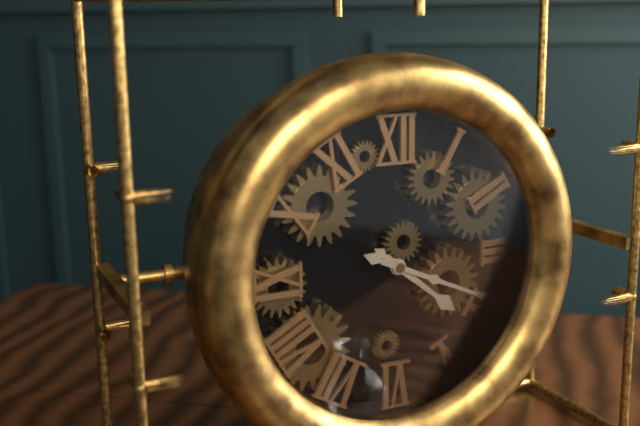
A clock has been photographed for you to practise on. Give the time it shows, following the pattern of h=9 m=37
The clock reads h=4 m=19
